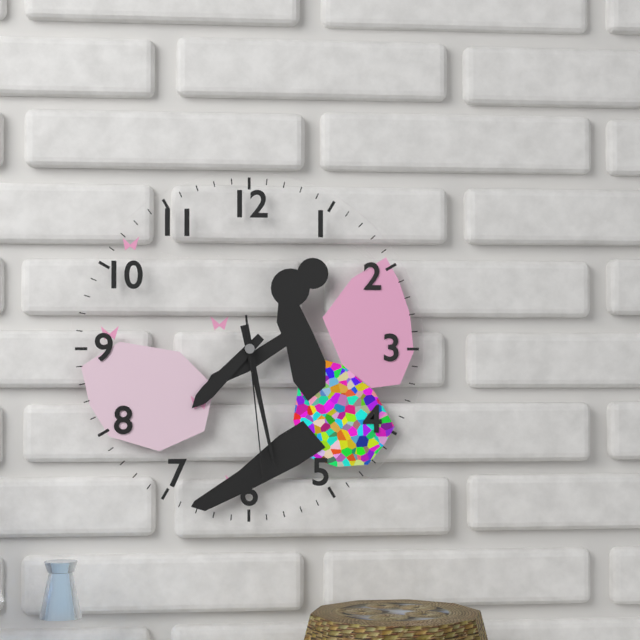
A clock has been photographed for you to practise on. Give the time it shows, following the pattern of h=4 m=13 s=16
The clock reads h=7 m=28 s=29
